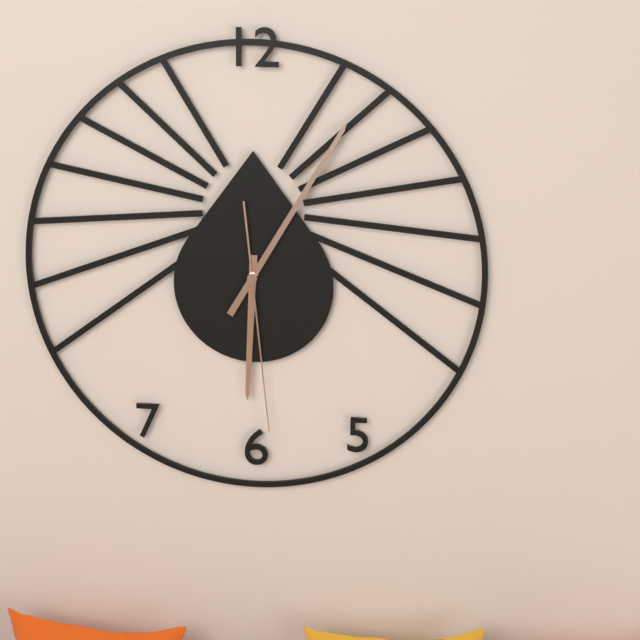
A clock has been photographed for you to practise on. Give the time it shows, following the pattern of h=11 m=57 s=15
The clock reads h=6 m=5 s=29
